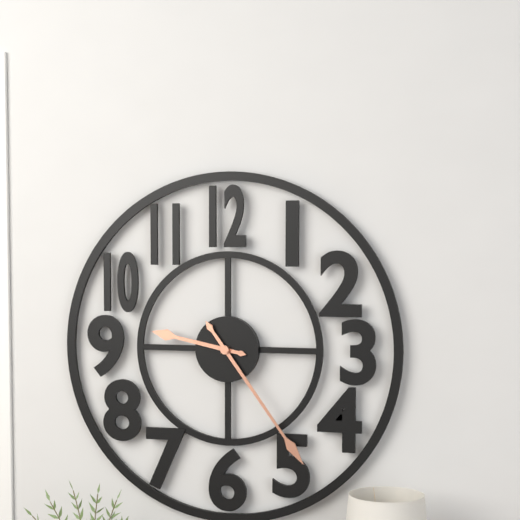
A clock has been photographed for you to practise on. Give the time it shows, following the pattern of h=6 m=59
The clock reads h=9 m=24
